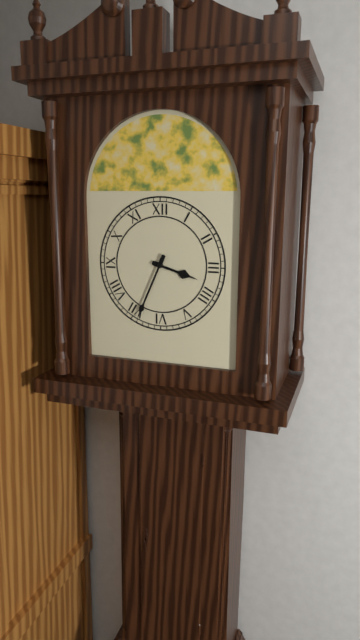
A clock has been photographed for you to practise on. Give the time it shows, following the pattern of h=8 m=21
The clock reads h=3 m=34
